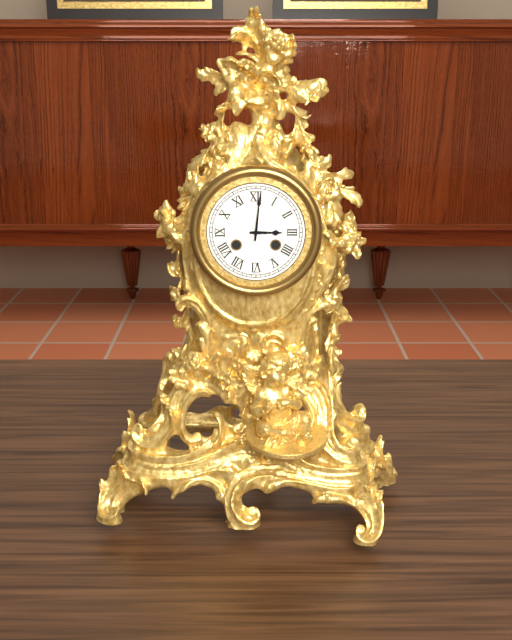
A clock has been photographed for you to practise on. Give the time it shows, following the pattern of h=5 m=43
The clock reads h=3 m=1
